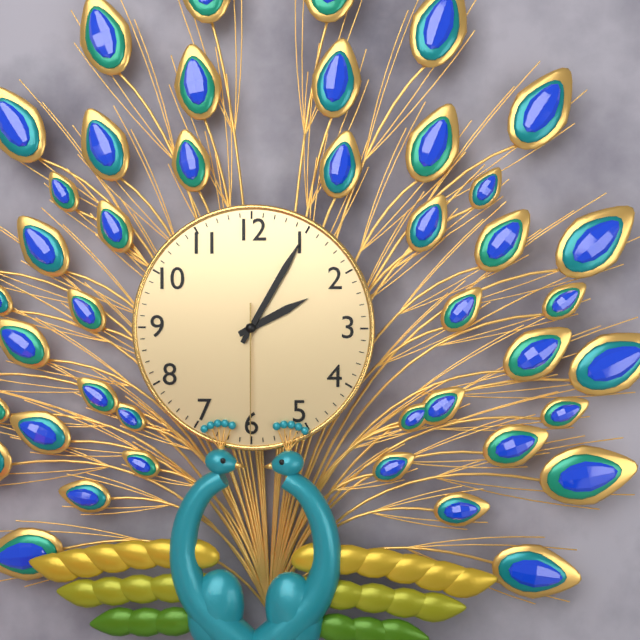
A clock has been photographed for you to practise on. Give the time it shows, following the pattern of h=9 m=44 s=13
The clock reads h=2 m=5 s=30
